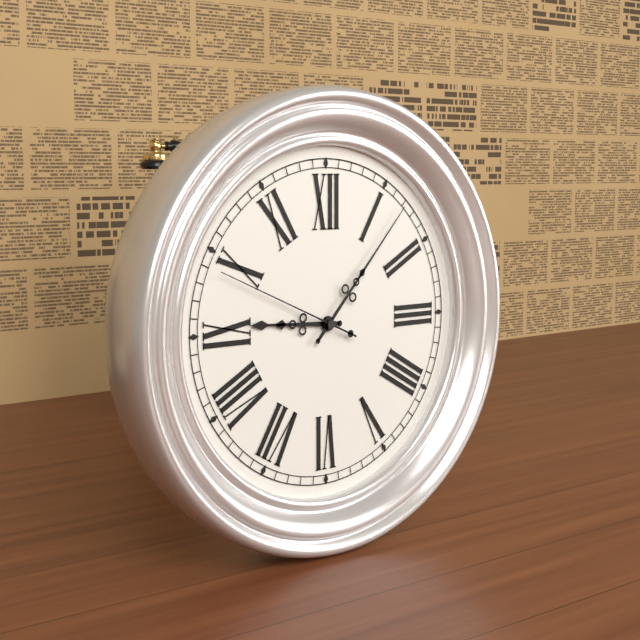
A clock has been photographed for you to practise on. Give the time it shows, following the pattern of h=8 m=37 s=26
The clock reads h=9 m=7 s=49
